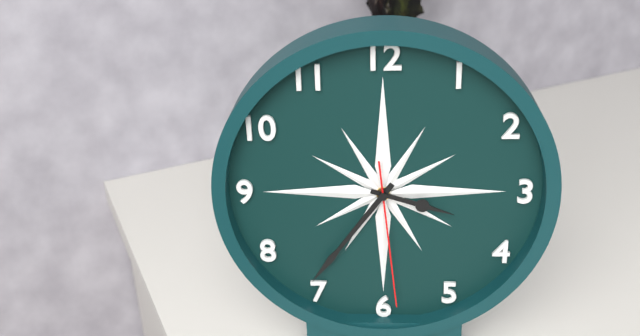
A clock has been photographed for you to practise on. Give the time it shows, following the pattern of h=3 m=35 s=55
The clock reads h=3 m=36 s=29
